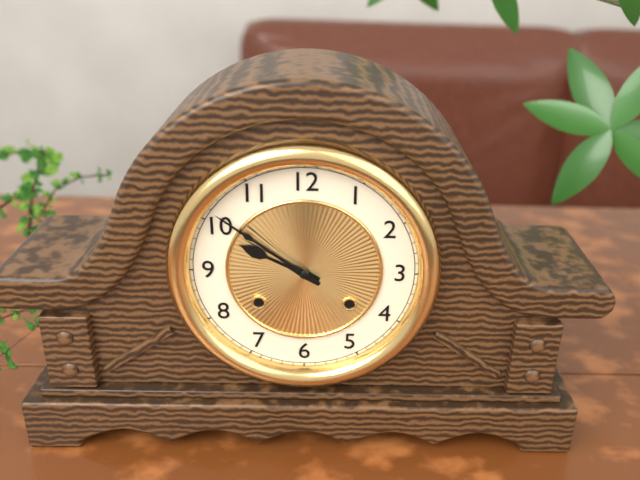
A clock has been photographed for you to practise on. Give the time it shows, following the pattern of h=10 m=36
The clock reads h=9 m=51
